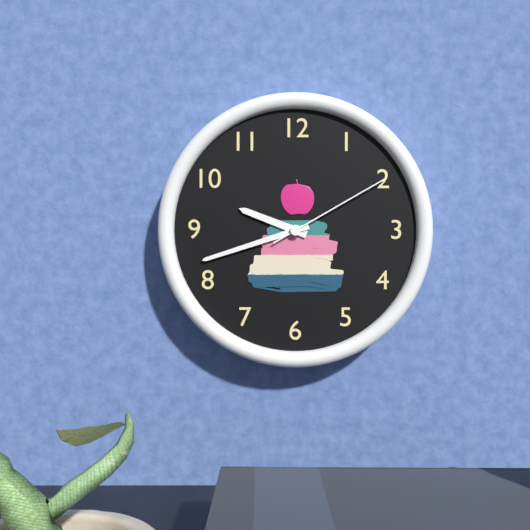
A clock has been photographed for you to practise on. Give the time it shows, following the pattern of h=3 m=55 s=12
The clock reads h=9 m=42 s=10
